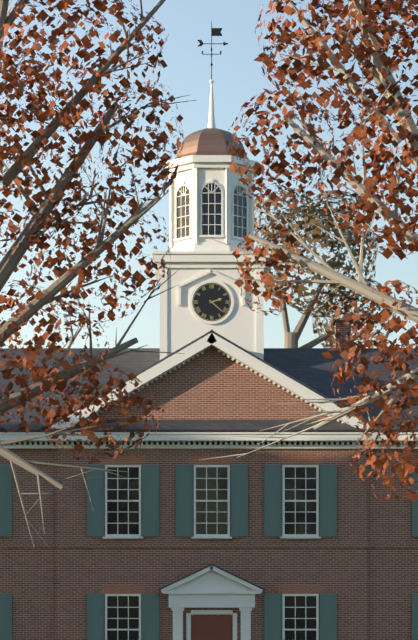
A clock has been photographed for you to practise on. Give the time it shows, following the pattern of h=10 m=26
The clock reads h=2 m=22
